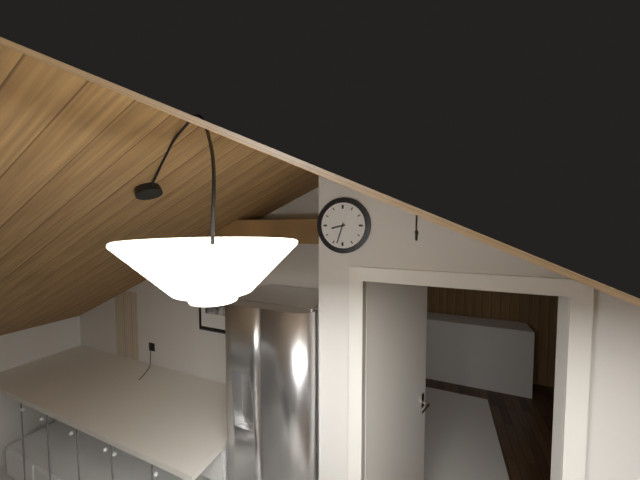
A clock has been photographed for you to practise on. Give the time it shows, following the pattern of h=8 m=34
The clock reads h=8 m=33
